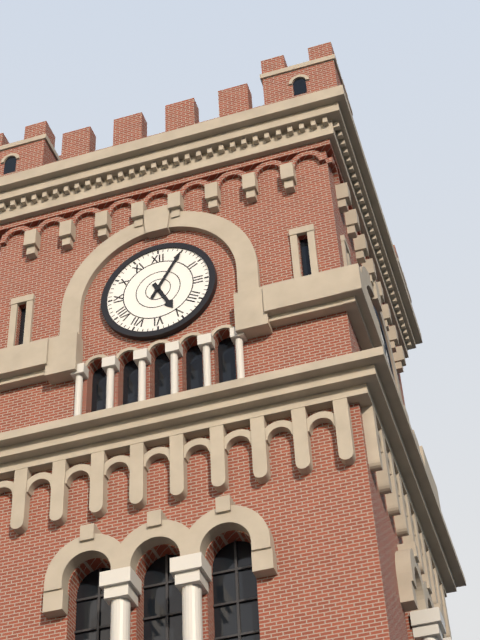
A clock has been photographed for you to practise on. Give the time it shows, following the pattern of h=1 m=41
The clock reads h=5 m=5
